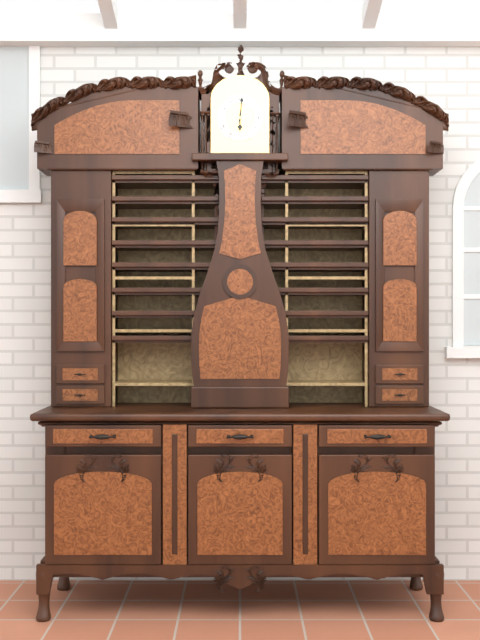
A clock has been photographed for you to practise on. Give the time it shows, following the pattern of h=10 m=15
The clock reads h=6 m=1
